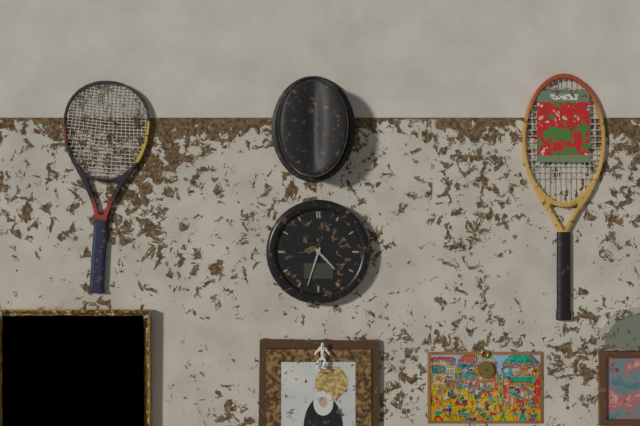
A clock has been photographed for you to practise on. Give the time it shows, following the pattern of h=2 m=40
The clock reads h=4 m=33
